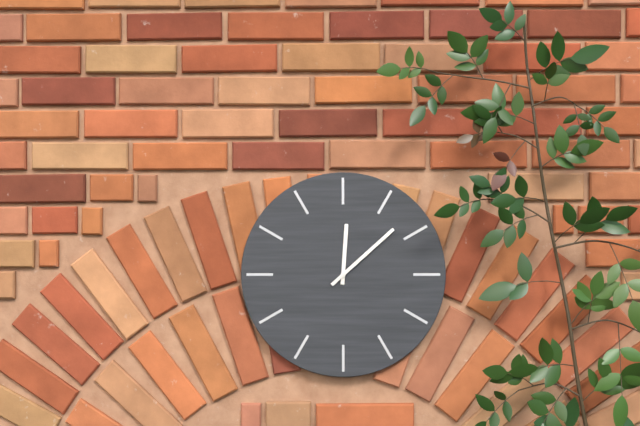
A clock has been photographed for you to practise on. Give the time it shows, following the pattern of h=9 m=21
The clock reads h=12 m=8
